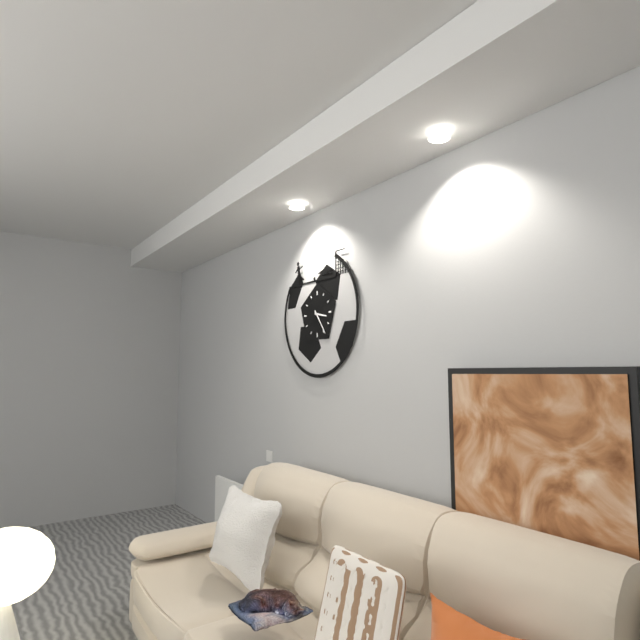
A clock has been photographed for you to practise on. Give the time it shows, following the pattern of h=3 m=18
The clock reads h=3 m=24
